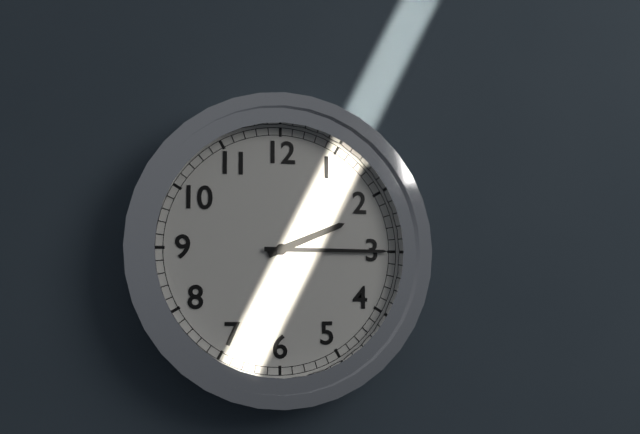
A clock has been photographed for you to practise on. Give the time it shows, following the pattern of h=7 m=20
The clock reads h=2 m=15
